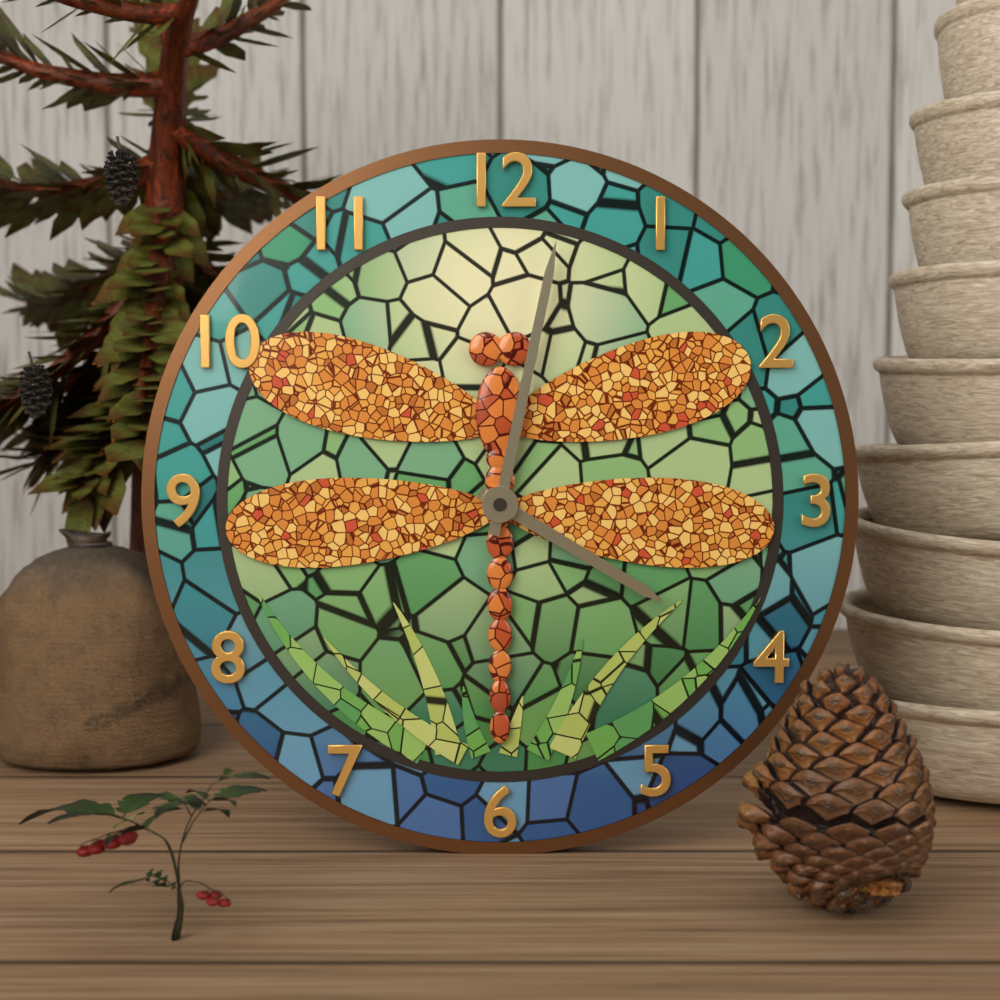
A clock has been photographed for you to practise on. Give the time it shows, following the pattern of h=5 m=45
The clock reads h=4 m=2
